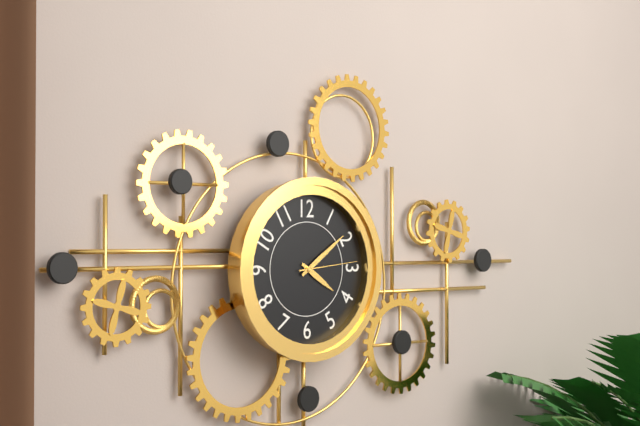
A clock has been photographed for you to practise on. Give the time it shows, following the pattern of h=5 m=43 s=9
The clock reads h=4 m=9 s=14
